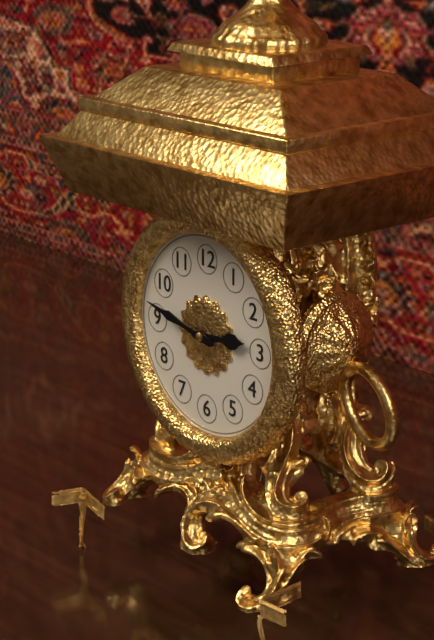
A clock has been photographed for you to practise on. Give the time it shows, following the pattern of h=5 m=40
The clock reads h=2 m=47
